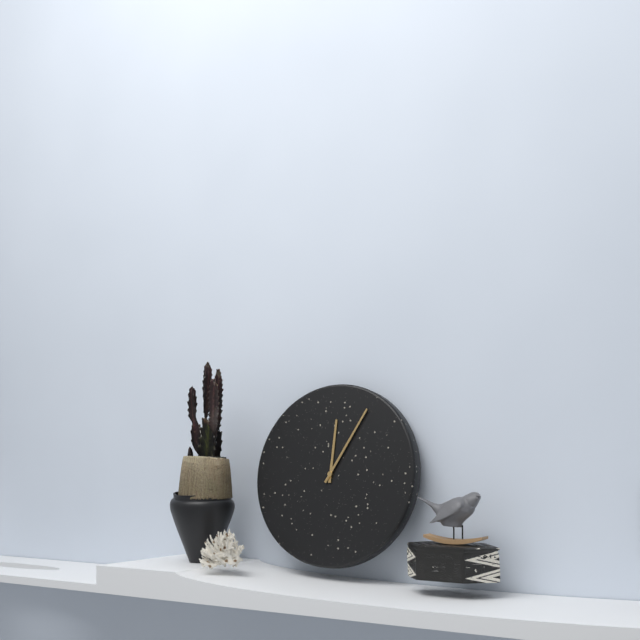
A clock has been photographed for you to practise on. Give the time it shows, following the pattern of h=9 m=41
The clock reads h=12 m=5
